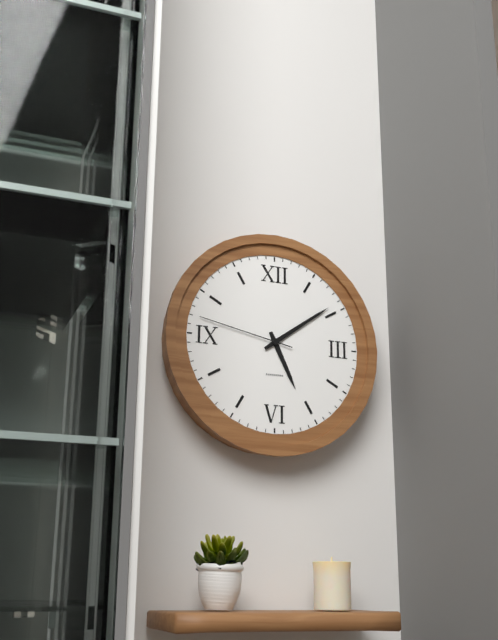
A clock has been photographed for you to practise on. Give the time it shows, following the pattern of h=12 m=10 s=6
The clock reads h=5 m=9 s=47
